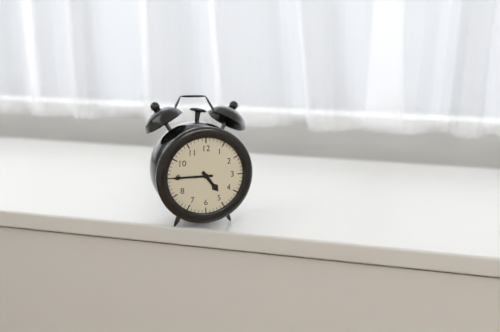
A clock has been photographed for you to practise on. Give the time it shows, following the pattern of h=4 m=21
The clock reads h=4 m=45
